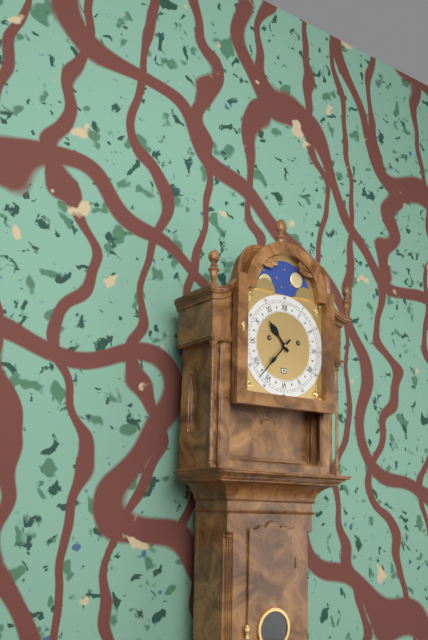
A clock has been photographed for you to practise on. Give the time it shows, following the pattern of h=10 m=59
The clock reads h=10 m=37
